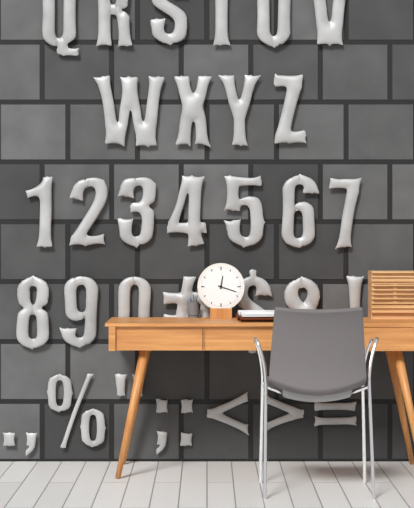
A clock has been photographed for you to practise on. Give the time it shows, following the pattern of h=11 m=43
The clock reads h=12 m=18
